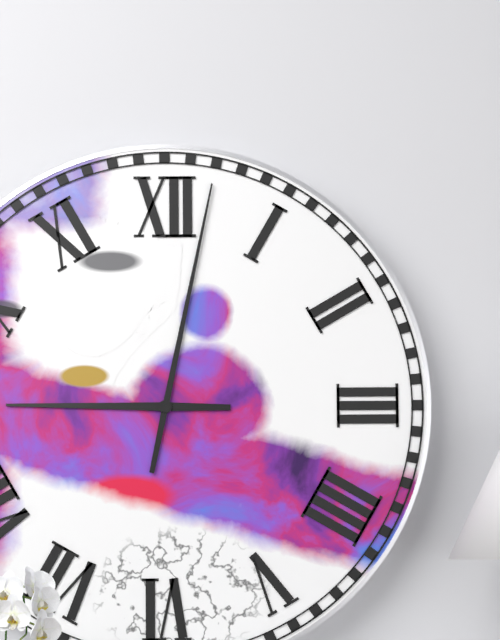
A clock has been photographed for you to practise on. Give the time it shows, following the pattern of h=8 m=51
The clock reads h=9 m=2
